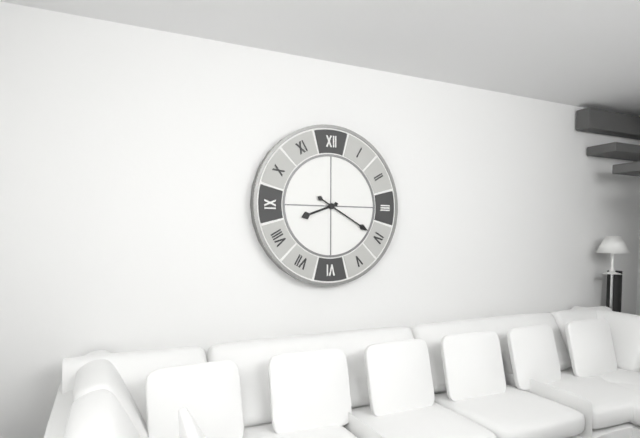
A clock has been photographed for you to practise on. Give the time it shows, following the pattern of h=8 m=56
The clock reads h=8 m=20
